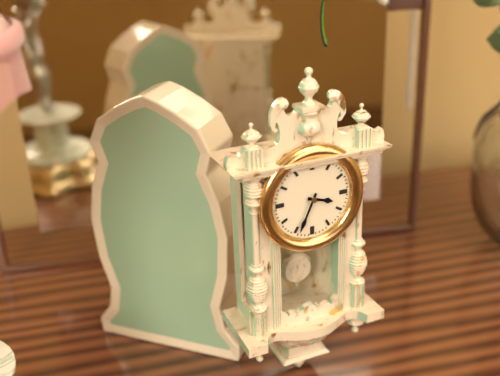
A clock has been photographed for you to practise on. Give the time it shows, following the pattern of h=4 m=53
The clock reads h=3 m=34
